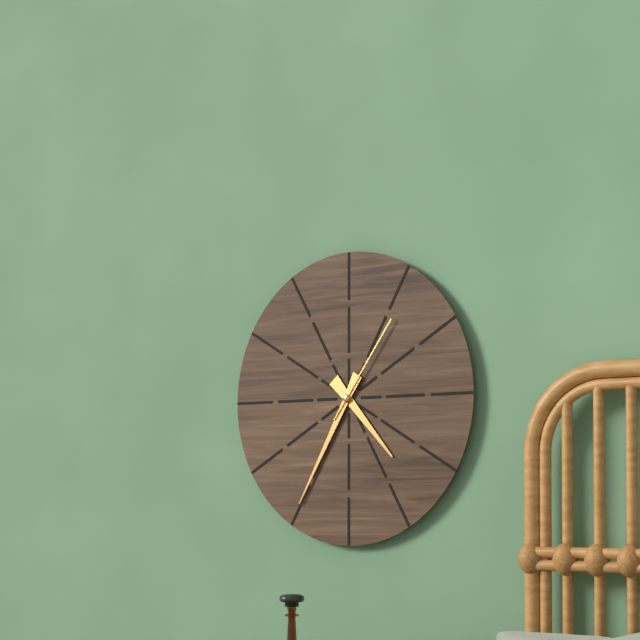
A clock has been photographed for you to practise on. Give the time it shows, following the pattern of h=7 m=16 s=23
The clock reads h=4 m=35 s=6
